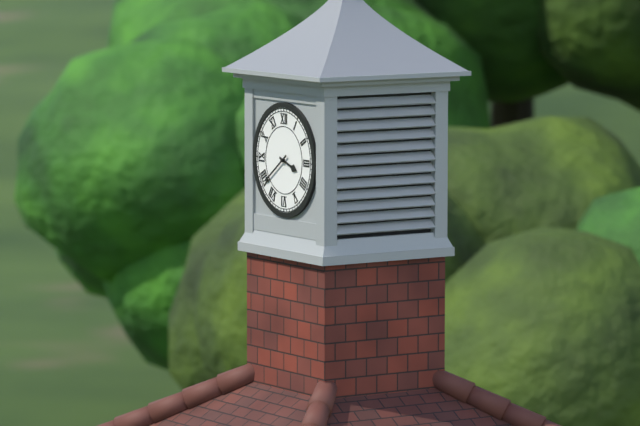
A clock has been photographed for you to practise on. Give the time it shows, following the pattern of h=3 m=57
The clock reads h=3 m=39
